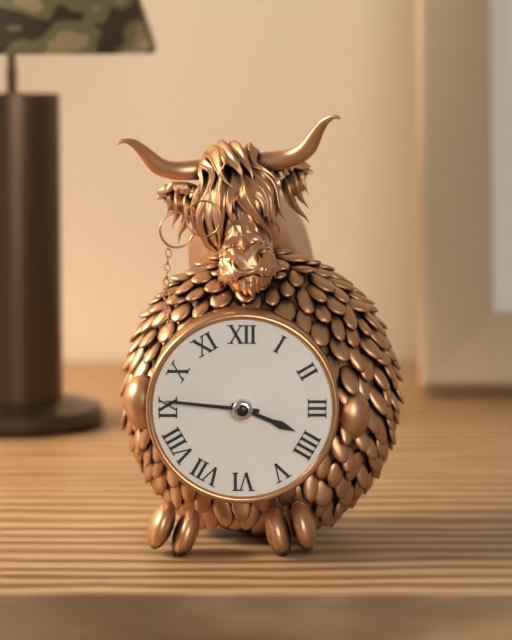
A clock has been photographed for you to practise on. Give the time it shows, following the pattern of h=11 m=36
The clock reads h=3 m=46
